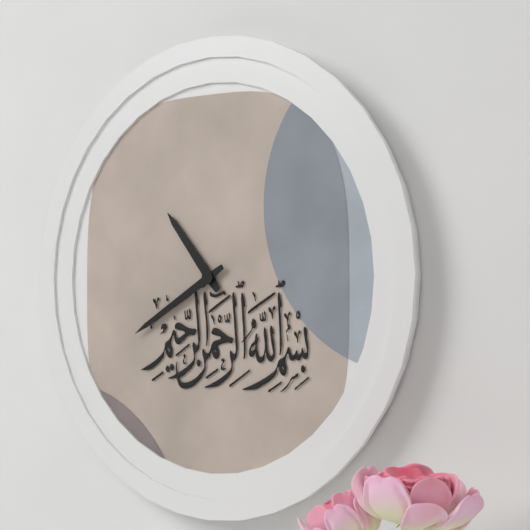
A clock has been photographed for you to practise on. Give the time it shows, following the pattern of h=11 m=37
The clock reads h=10 m=40
